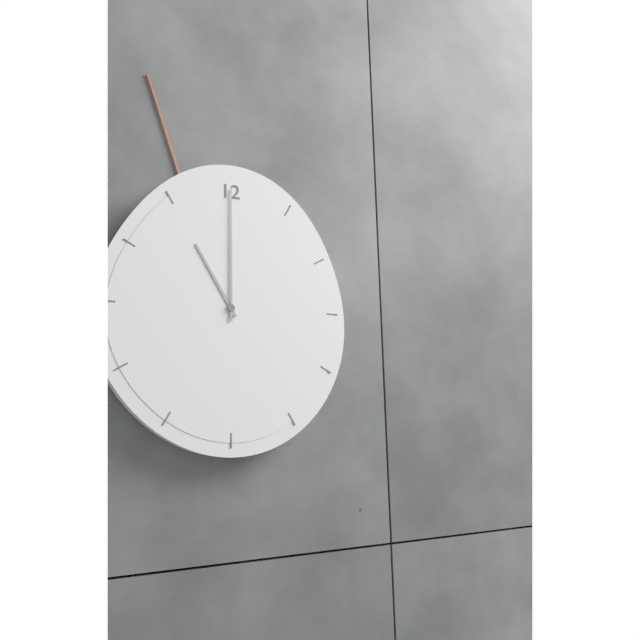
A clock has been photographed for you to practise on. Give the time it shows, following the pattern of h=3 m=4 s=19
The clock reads h=11 m=0 s=57
